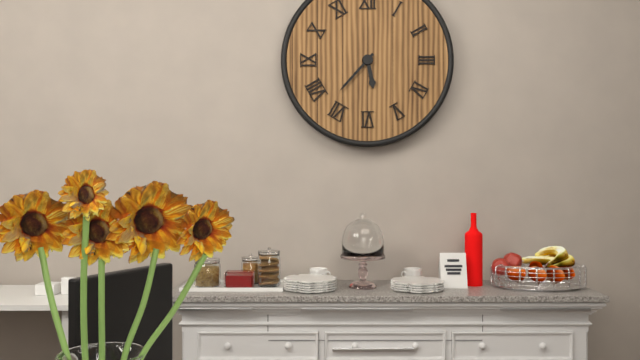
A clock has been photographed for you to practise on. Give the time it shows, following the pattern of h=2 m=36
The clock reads h=5 m=37
